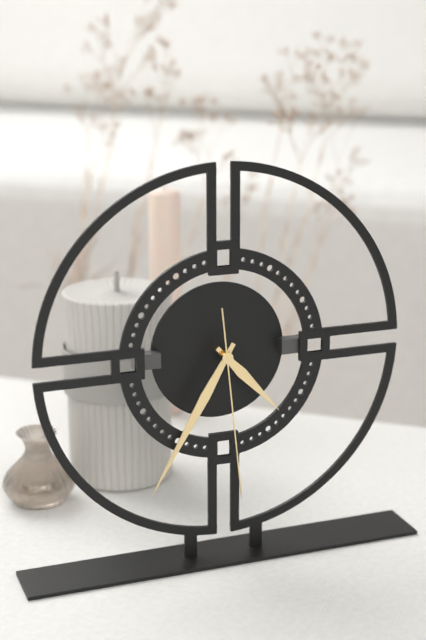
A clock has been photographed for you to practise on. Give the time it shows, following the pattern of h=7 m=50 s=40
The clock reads h=4 m=35 s=29
